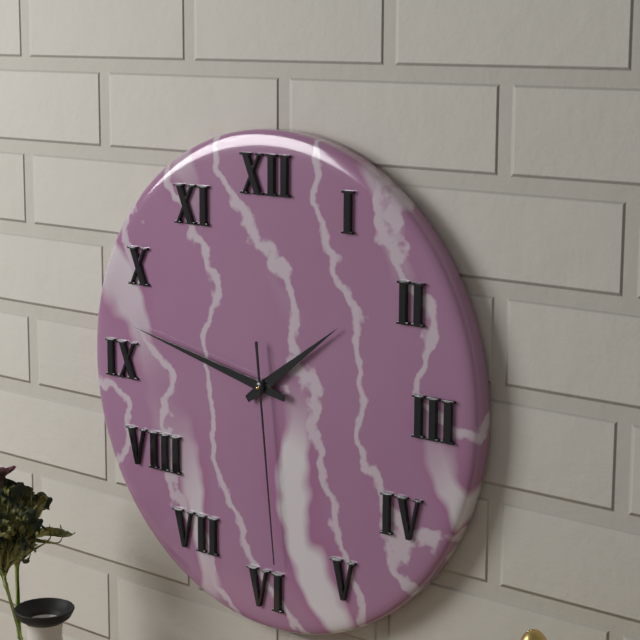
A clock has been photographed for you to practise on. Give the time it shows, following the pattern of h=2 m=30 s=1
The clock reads h=1 m=47 s=29
